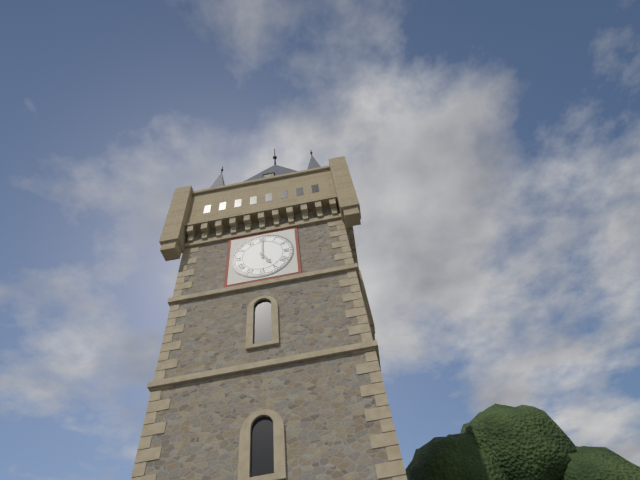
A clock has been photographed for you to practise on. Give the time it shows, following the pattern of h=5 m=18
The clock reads h=5 m=0
